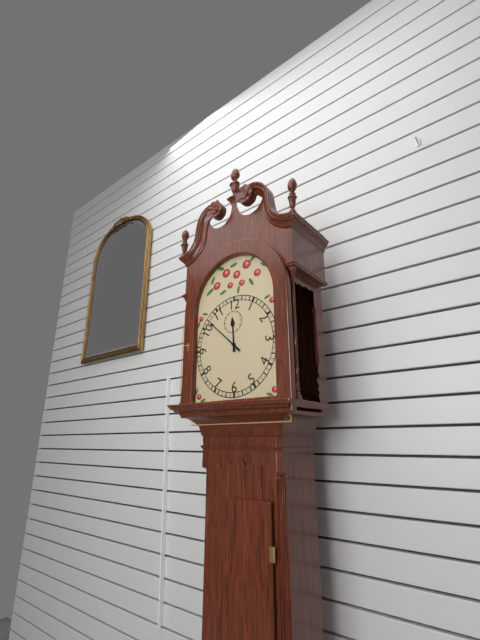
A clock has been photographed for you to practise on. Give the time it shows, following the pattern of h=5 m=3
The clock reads h=11 m=52
